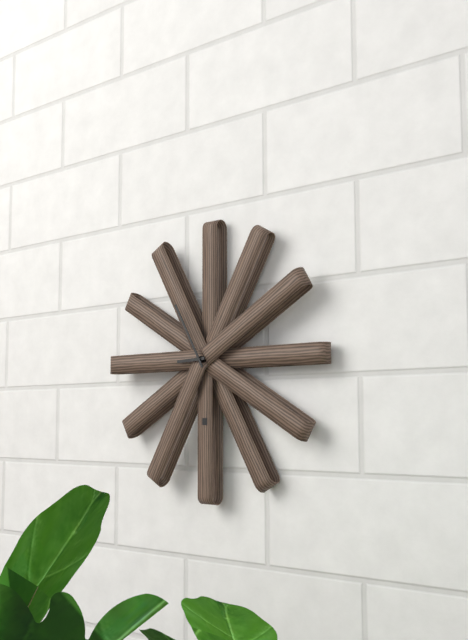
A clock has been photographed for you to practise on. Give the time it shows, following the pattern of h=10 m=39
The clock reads h=8 m=55
